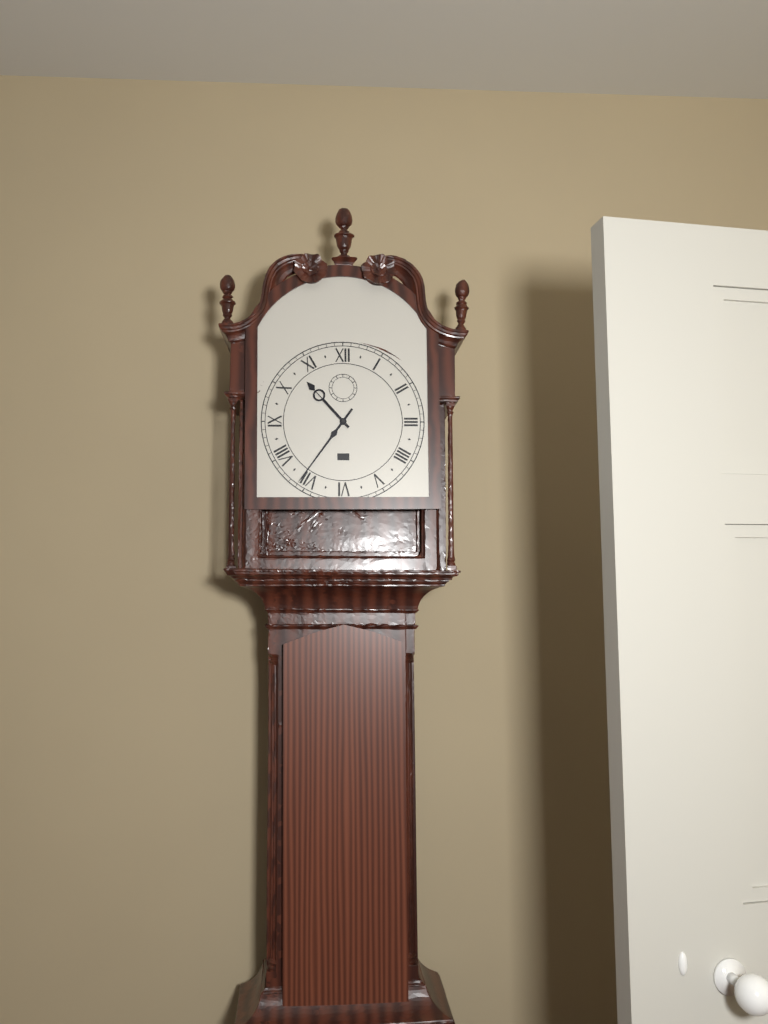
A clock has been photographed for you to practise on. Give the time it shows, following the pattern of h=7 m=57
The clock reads h=10 m=36
